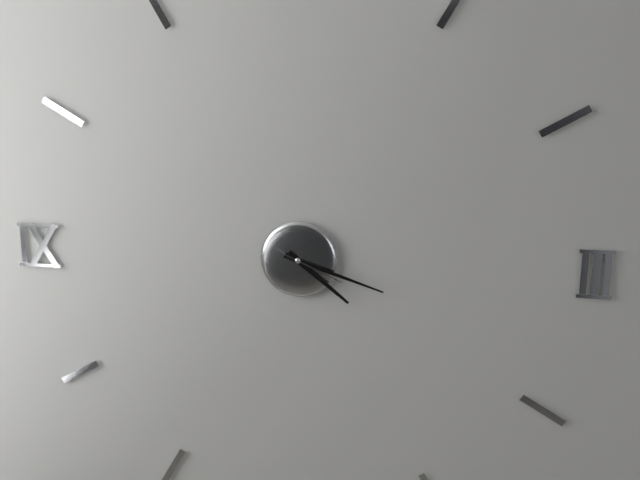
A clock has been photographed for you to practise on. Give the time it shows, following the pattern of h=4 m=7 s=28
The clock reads h=4 m=18 s=19
